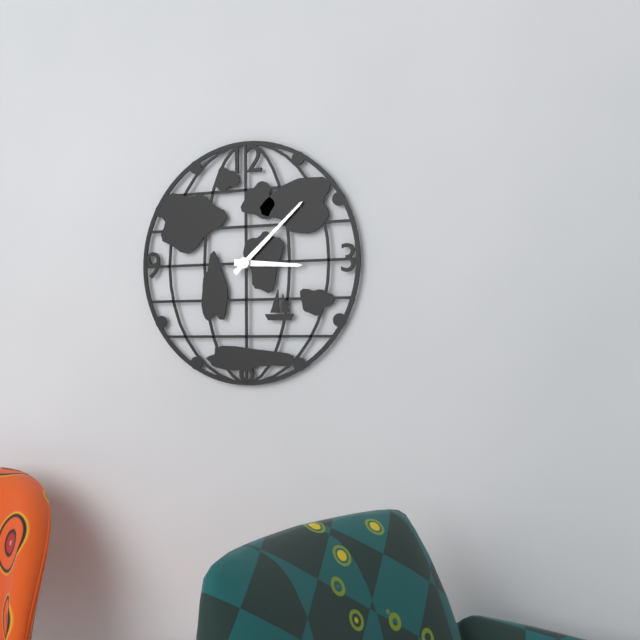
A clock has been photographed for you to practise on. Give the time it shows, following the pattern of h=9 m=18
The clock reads h=3 m=8
